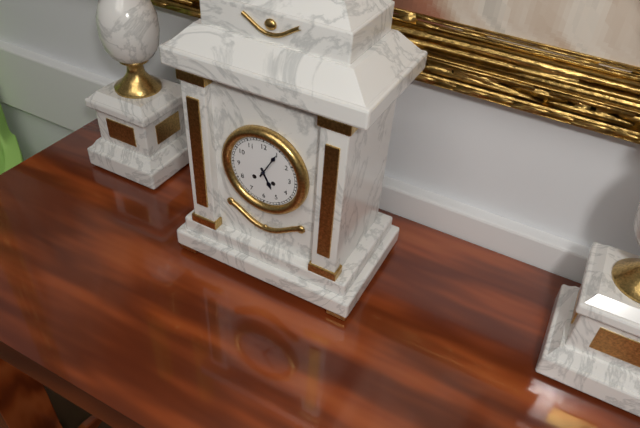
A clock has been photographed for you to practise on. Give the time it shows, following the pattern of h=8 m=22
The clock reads h=5 m=5
